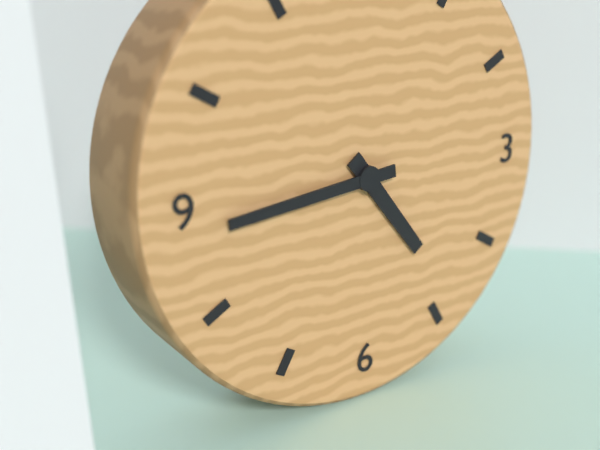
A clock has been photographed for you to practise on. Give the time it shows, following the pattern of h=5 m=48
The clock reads h=4 m=44
